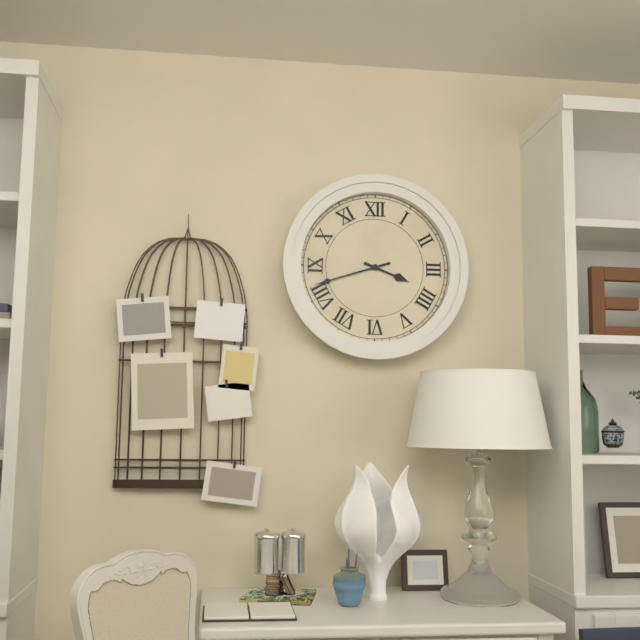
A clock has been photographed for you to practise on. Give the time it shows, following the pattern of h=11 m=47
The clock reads h=3 m=42
